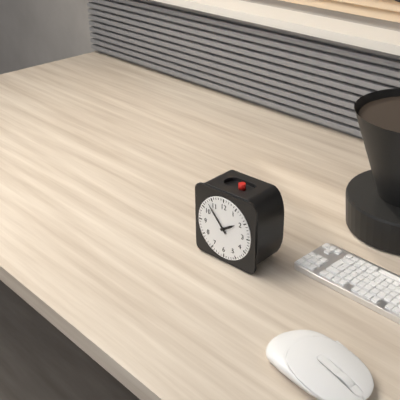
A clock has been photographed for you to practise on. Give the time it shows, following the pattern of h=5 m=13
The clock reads h=1 m=53
